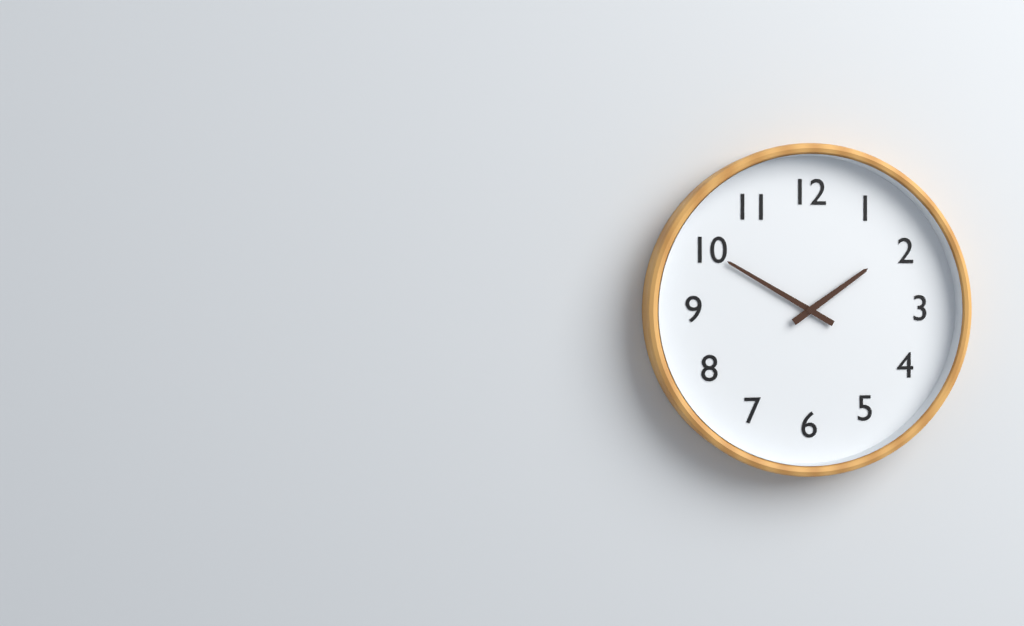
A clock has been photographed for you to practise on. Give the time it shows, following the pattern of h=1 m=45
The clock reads h=1 m=50
